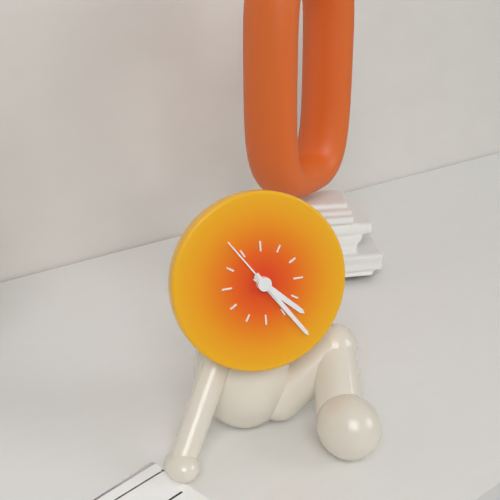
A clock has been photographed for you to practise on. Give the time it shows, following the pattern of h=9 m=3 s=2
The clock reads h=4 m=24 s=54
